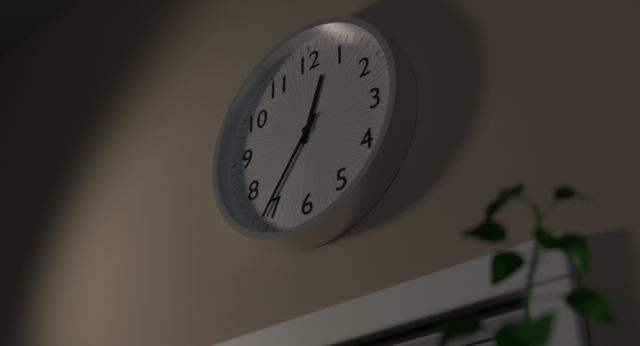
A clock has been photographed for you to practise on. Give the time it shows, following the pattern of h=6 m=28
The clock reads h=12 m=36
